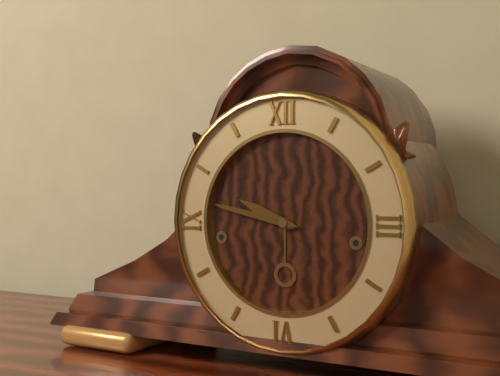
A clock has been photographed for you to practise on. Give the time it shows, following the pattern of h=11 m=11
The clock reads h=9 m=47
